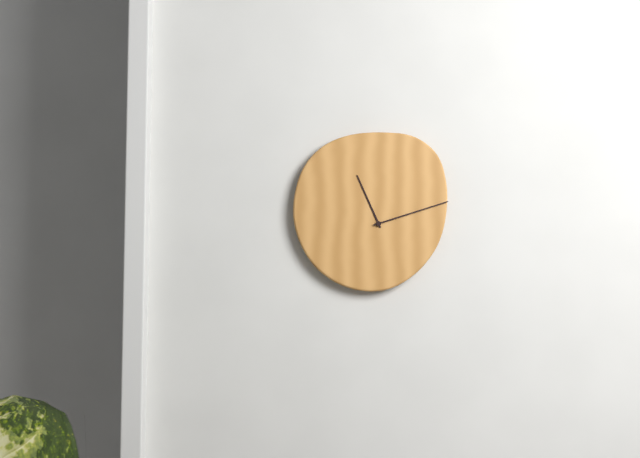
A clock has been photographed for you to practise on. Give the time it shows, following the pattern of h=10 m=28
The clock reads h=11 m=12
